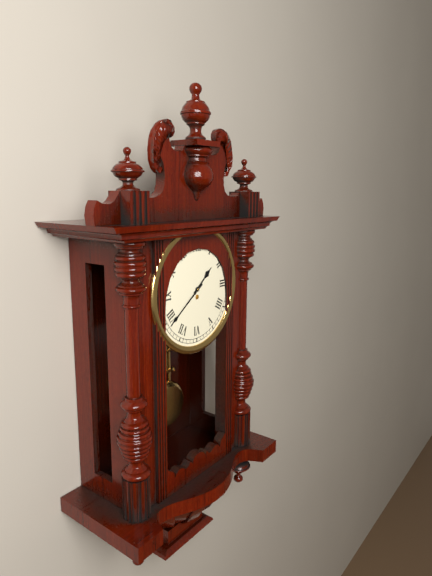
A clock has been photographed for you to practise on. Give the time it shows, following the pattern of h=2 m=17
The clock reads h=1 m=39
